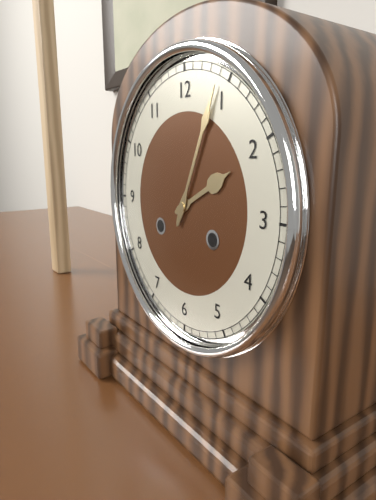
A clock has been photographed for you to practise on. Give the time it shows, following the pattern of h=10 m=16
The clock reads h=2 m=4
